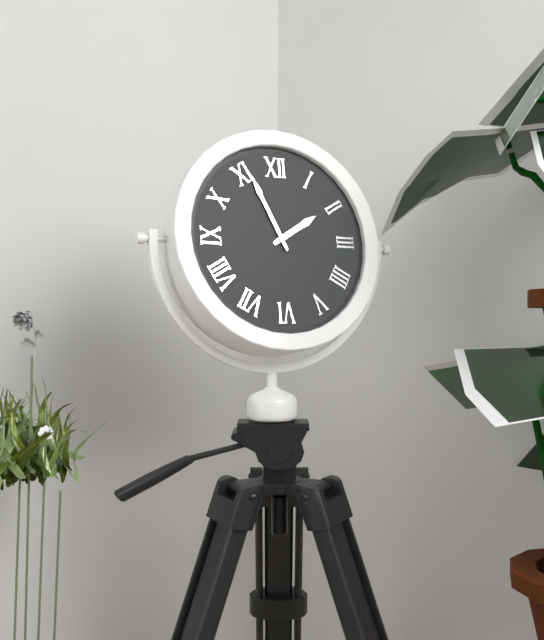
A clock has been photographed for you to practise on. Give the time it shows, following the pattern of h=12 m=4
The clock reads h=1 m=56
